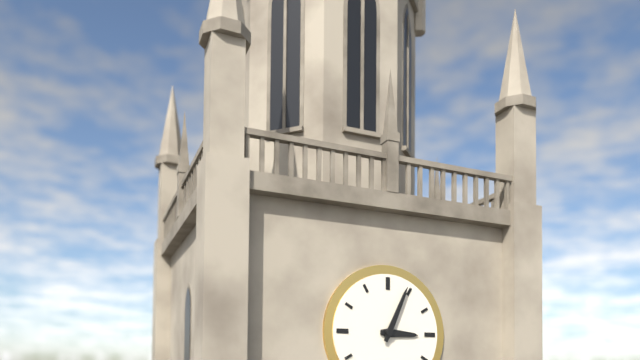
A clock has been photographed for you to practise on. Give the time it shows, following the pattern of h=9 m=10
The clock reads h=3 m=4
